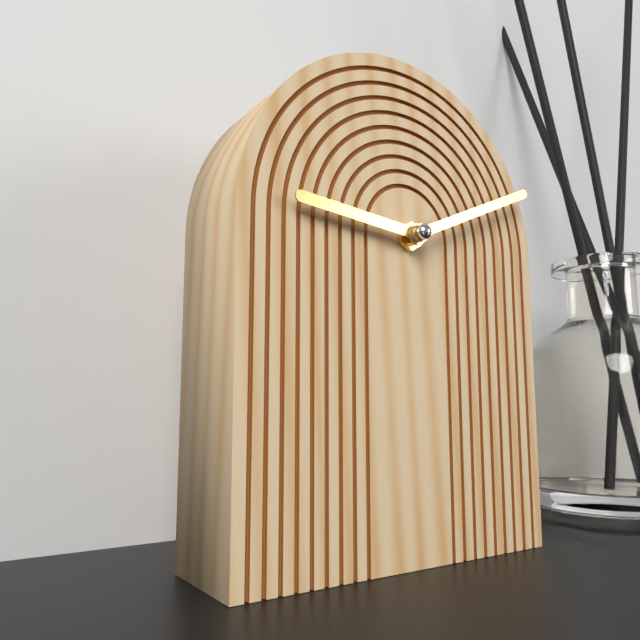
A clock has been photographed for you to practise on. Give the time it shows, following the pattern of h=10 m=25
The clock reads h=9 m=11
